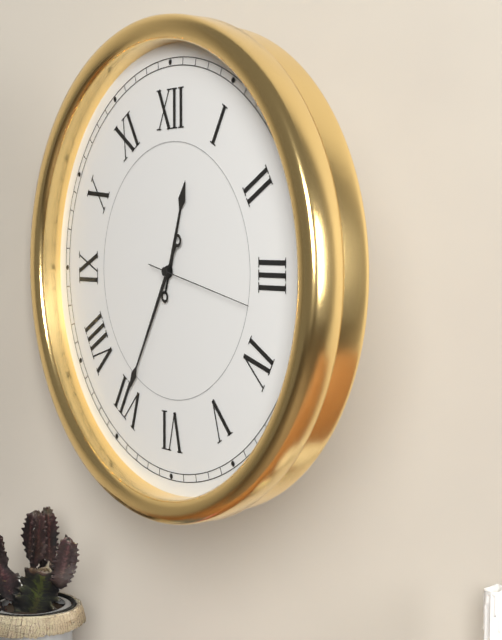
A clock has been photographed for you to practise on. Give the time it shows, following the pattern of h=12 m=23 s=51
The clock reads h=12 m=35 s=17
